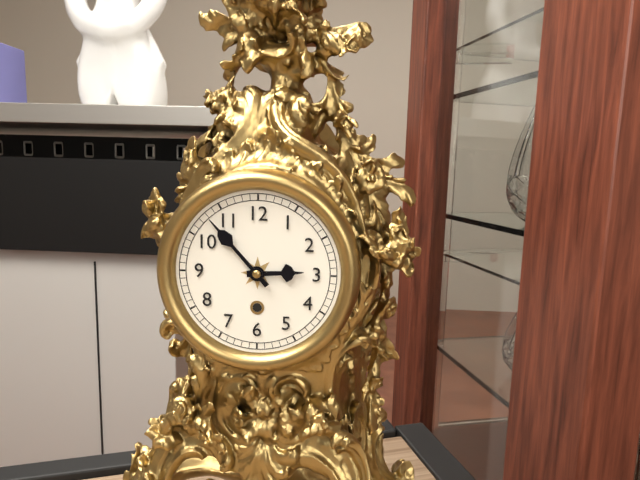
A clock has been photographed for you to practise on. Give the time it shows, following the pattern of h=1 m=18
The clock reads h=2 m=53
